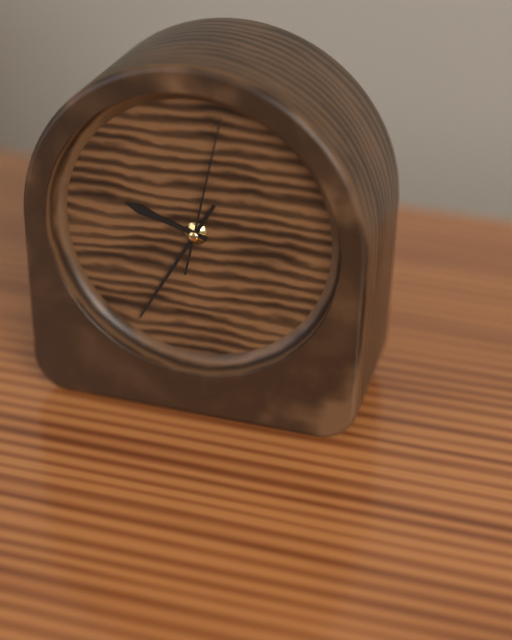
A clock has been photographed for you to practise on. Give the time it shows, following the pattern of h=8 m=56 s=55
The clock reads h=9 m=35 s=2
